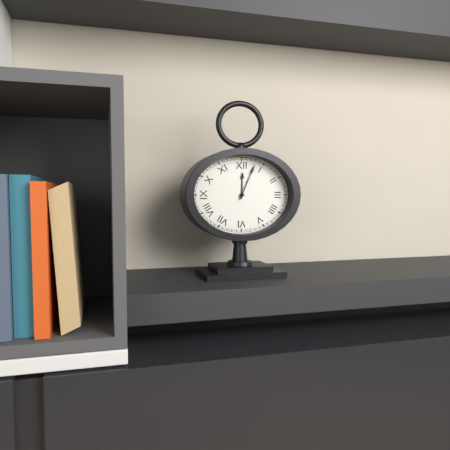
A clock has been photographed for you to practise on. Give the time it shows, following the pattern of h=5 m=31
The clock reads h=12 m=4
